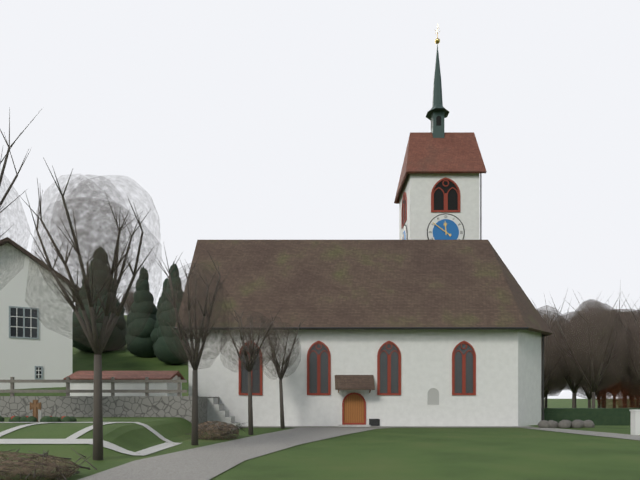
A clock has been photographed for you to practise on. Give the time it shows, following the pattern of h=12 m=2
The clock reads h=11 m=51
